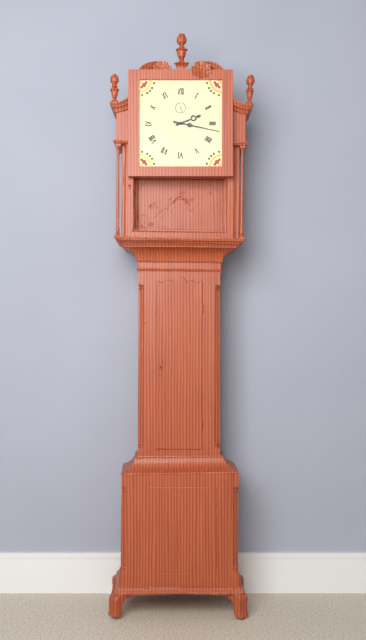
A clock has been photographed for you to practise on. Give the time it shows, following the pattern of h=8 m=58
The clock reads h=2 m=17
